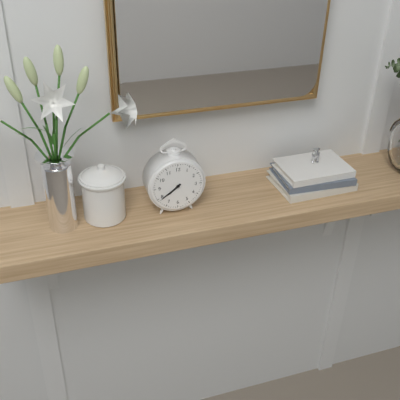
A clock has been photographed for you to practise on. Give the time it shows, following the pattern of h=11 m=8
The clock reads h=7 m=39
